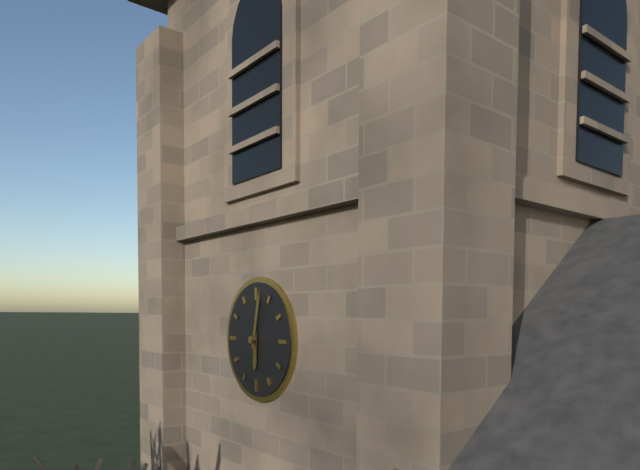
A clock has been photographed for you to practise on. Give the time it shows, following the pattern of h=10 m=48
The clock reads h=6 m=2
